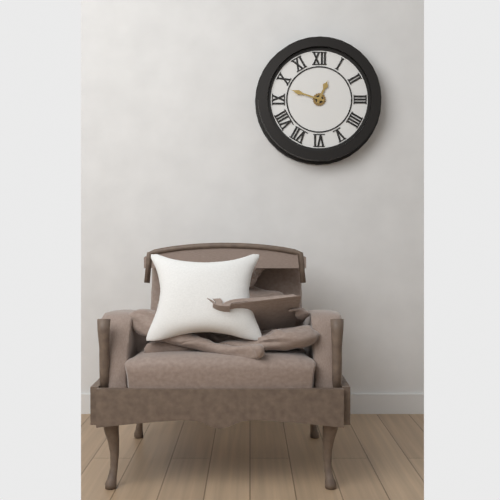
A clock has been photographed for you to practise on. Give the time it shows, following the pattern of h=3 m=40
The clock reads h=12 m=48
